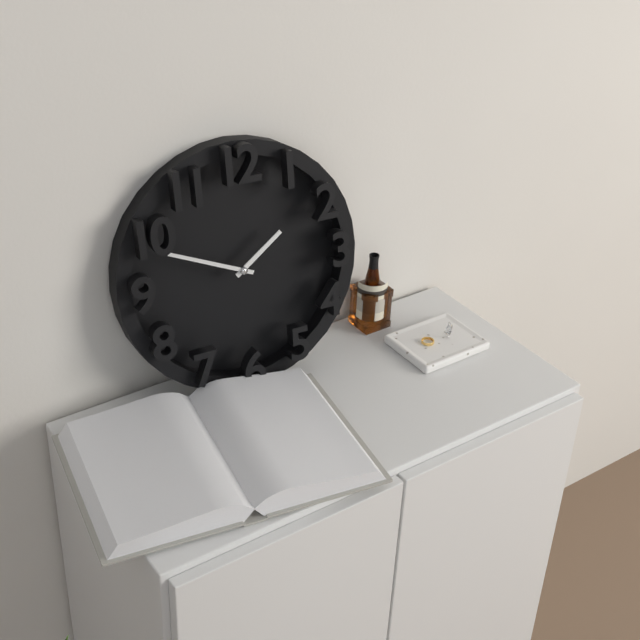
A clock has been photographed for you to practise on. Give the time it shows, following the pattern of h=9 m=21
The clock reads h=1 m=49
